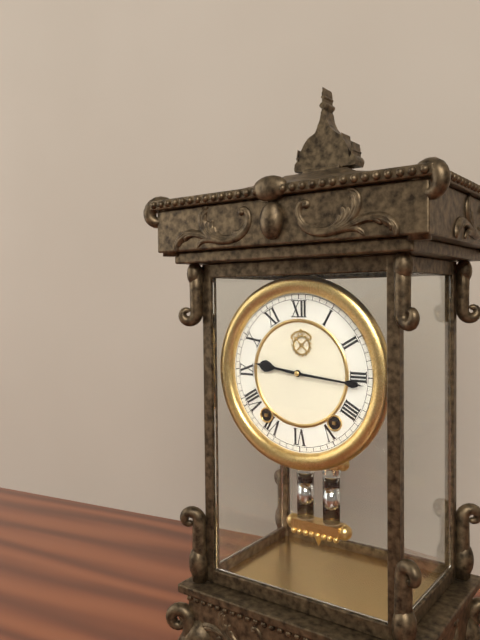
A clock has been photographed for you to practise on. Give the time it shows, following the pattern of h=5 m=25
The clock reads h=9 m=16
